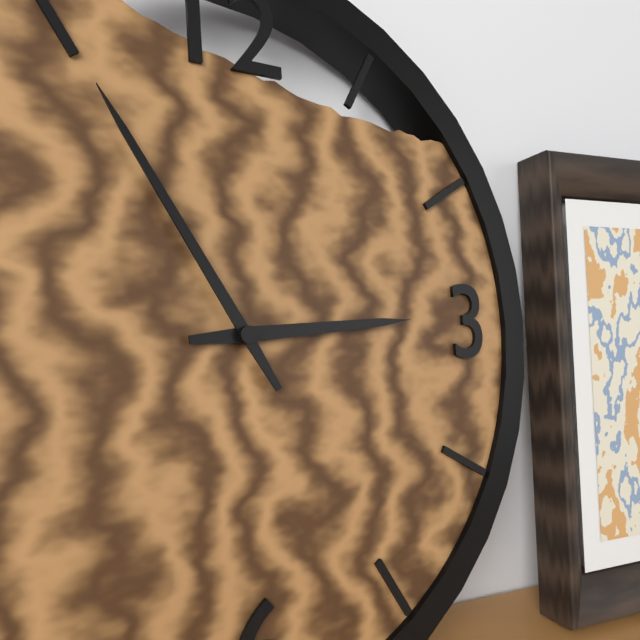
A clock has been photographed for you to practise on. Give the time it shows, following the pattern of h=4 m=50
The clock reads h=2 m=55
